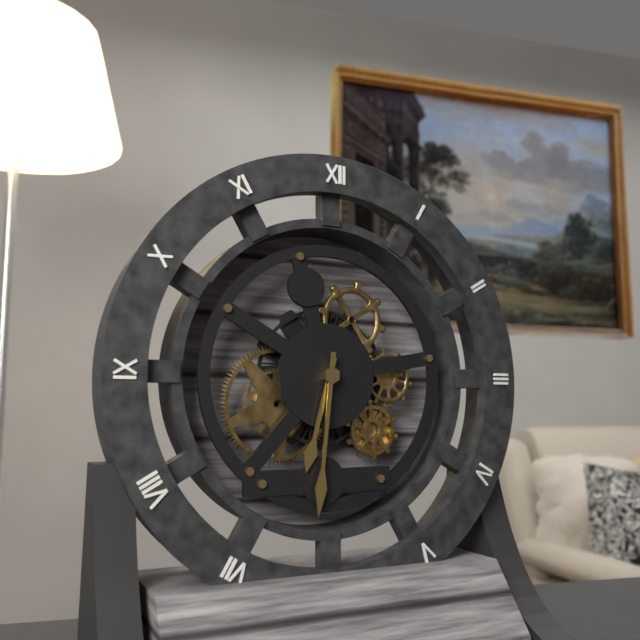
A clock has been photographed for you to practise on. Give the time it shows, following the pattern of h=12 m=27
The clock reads h=6 m=31
